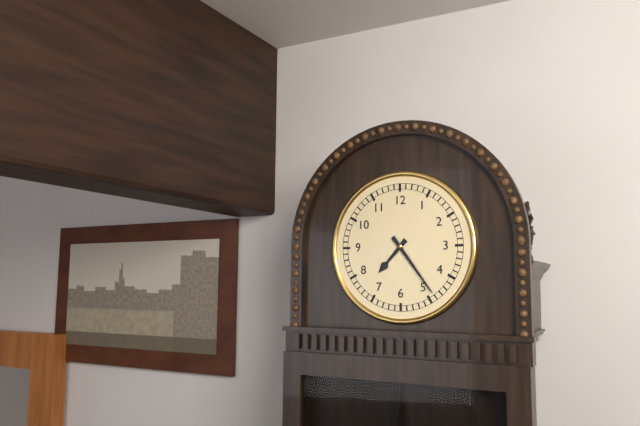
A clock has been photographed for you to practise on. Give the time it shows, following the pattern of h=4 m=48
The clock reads h=7 m=24
